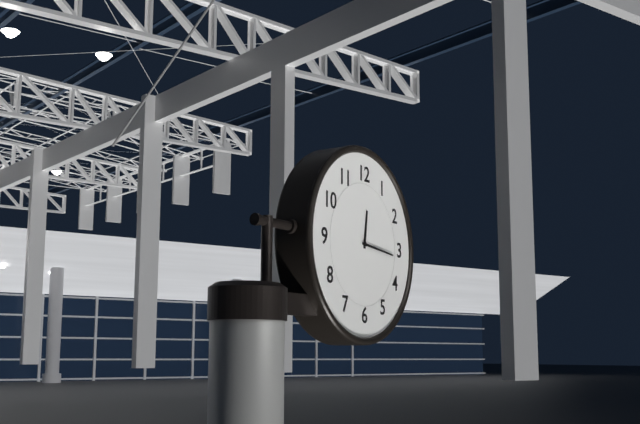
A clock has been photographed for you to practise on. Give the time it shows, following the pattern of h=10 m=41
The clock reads h=12 m=16
